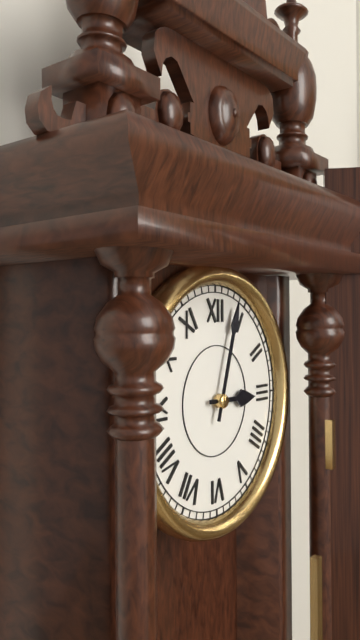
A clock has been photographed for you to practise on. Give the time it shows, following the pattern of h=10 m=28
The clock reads h=3 m=3
